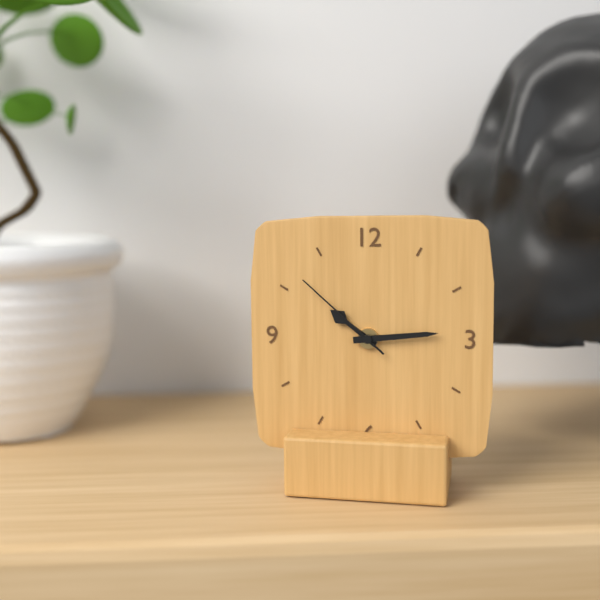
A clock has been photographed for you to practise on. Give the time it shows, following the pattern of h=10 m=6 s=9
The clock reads h=10 m=14 s=52
